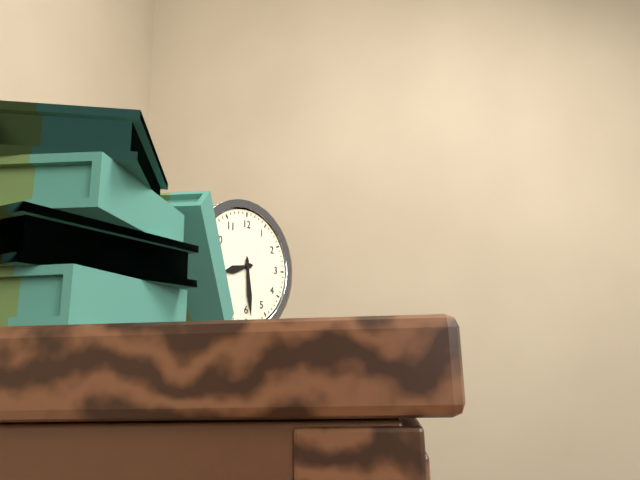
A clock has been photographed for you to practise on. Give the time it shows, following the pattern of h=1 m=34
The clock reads h=8 m=29
